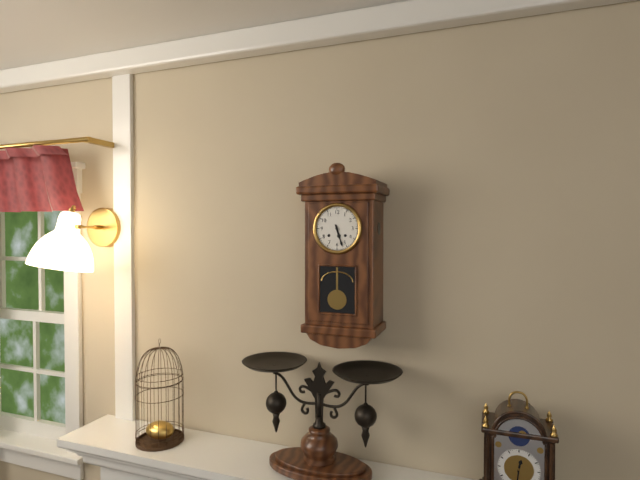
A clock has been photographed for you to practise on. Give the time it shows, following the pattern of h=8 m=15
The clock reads h=5 m=27
